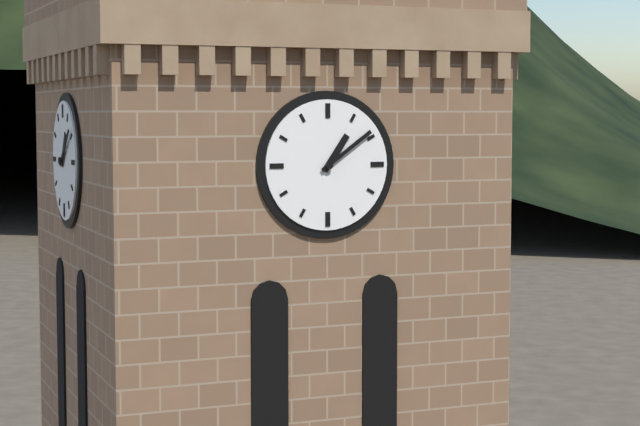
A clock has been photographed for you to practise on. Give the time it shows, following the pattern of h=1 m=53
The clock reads h=1 m=9
